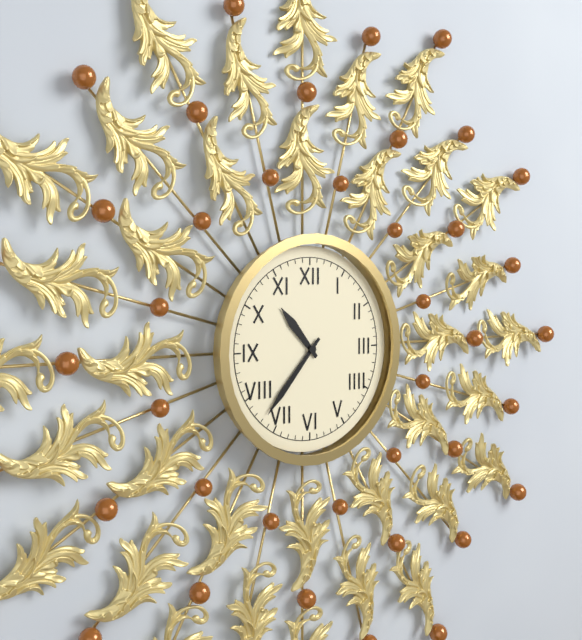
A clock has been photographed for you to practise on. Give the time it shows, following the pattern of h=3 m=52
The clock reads h=10 m=37
